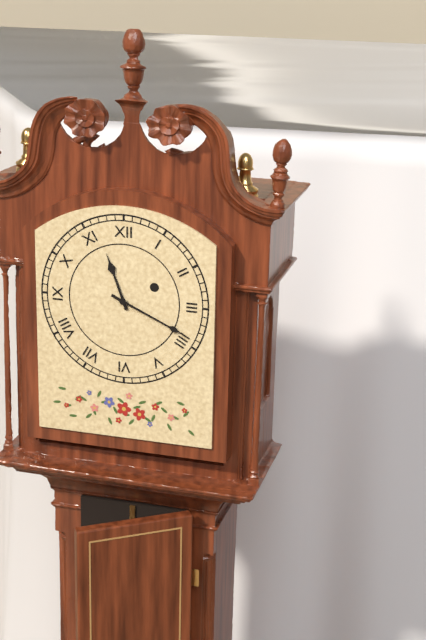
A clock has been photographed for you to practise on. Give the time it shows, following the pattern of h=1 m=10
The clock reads h=11 m=19
